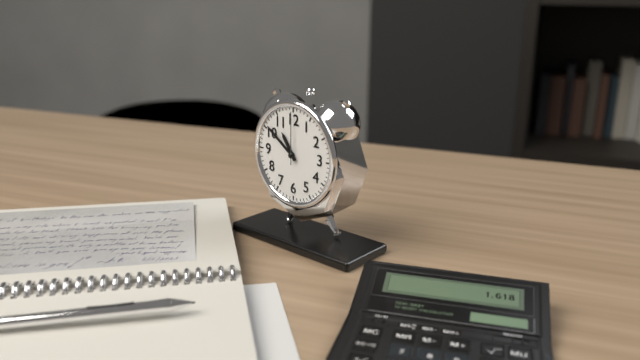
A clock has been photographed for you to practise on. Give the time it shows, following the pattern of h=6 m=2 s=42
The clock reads h=10 m=51 s=0
